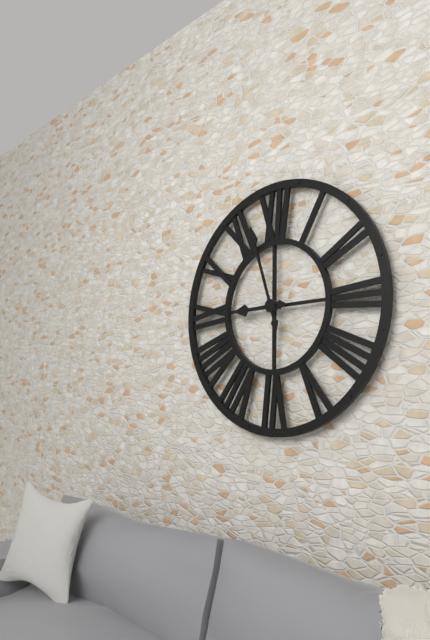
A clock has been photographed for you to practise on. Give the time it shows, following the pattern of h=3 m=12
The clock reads h=8 m=57
